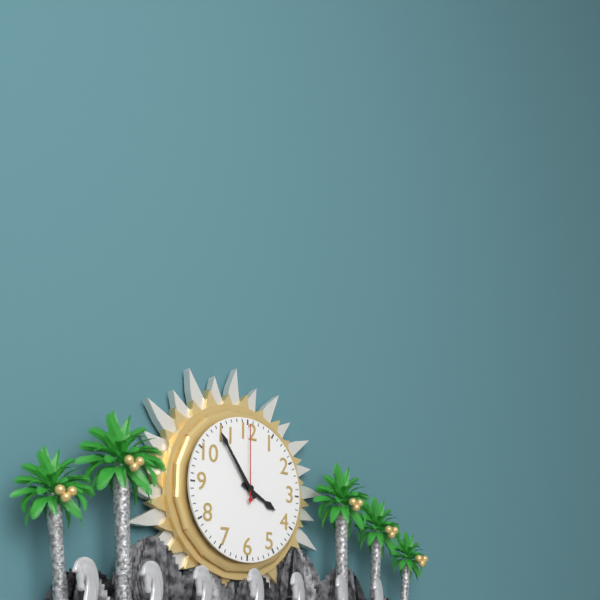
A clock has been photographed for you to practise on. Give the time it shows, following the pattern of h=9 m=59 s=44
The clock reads h=3 m=54 s=0
